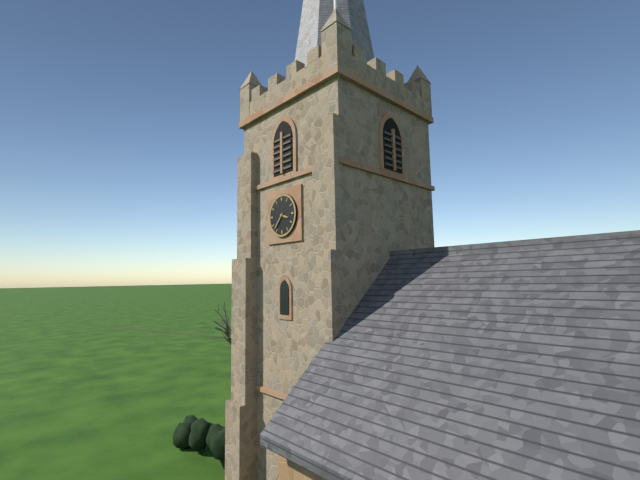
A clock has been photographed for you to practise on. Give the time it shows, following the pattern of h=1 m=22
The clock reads h=3 m=37
